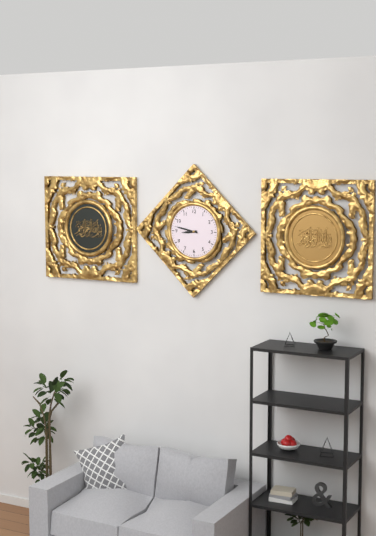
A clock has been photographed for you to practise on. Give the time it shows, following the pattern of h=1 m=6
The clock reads h=8 m=47
